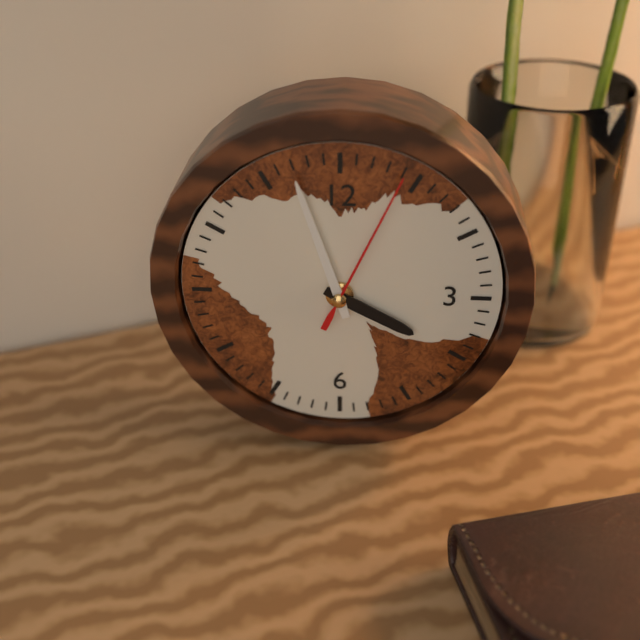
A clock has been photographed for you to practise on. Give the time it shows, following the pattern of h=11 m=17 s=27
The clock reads h=3 m=57 s=4
